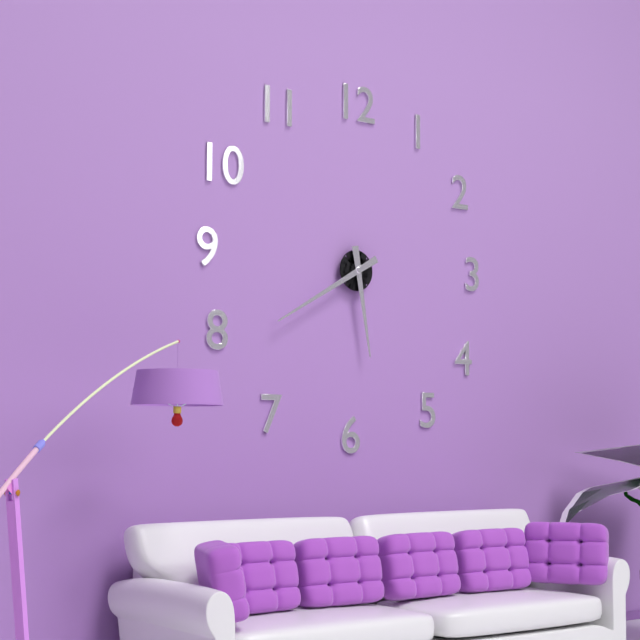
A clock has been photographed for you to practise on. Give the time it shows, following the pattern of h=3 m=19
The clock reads h=5 m=40
